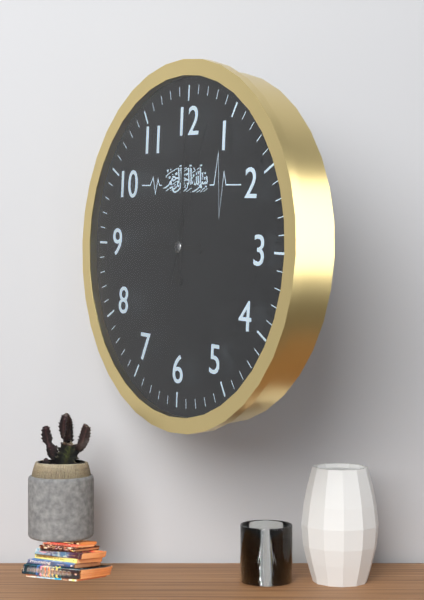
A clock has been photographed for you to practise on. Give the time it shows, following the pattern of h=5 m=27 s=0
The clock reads h=9 m=0 s=3
